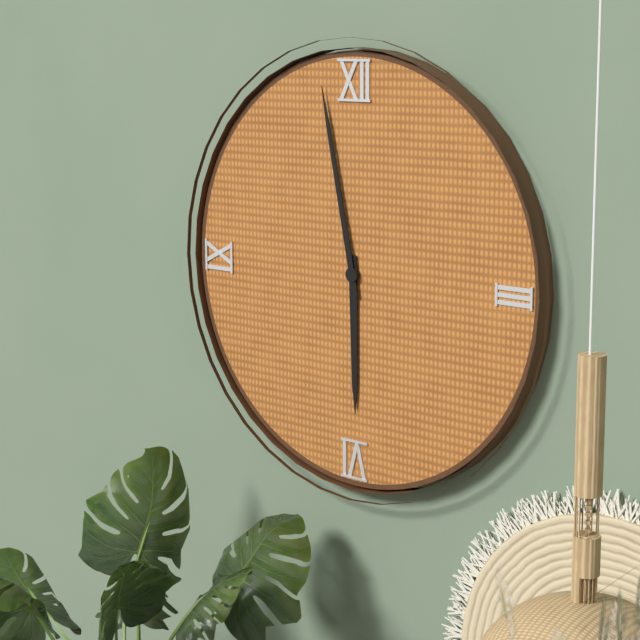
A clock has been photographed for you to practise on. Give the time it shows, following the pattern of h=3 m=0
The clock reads h=5 m=58
